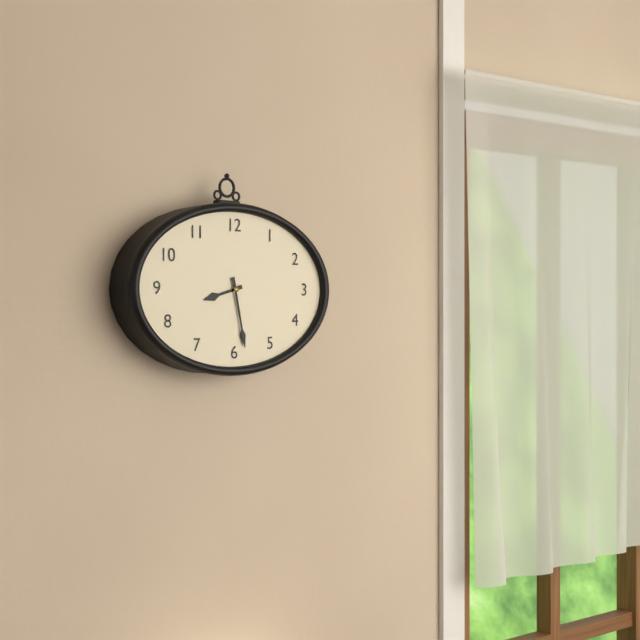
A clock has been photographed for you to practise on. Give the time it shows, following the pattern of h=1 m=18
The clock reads h=8 m=28
